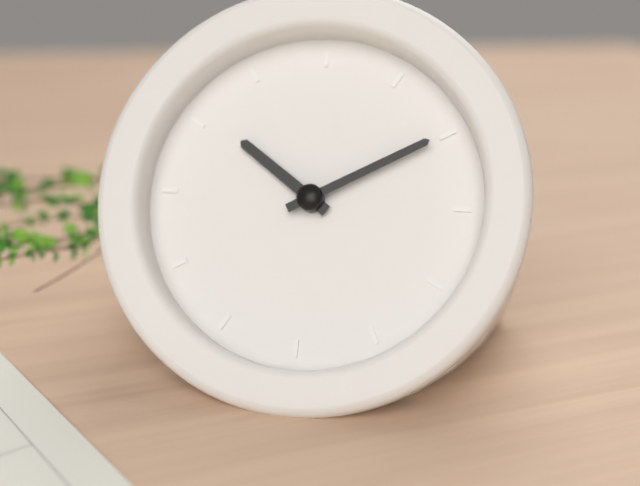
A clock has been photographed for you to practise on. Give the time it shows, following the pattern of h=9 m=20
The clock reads h=10 m=10
